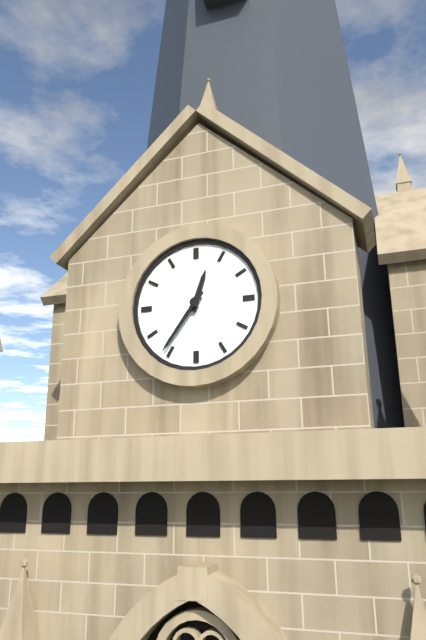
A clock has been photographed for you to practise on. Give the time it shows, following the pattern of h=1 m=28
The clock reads h=12 m=36
